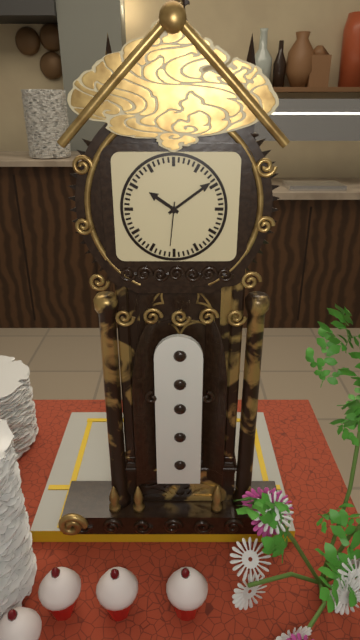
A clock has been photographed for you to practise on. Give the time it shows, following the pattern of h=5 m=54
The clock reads h=10 m=9
